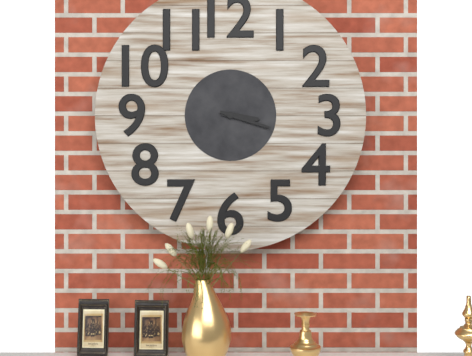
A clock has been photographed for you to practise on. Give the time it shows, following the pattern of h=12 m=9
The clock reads h=3 m=18
